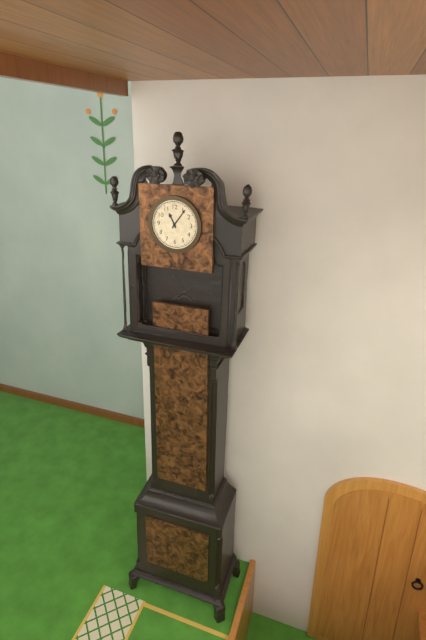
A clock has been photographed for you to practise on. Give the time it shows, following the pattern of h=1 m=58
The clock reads h=11 m=6
